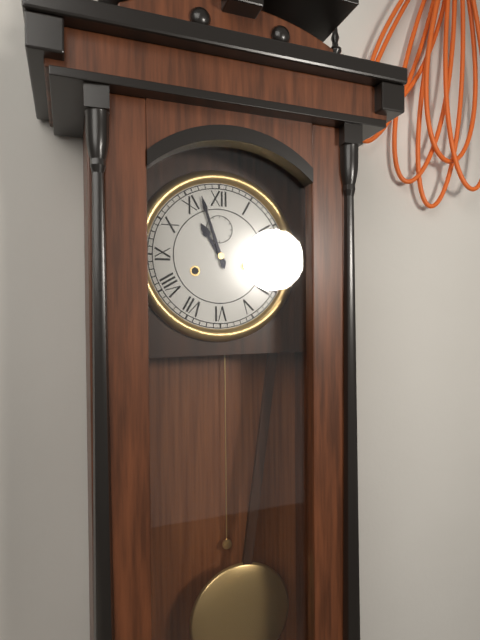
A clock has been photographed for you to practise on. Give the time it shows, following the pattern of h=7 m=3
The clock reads h=10 m=57
